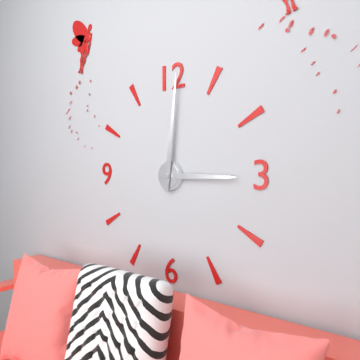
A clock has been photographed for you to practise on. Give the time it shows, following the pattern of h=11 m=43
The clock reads h=3 m=1
